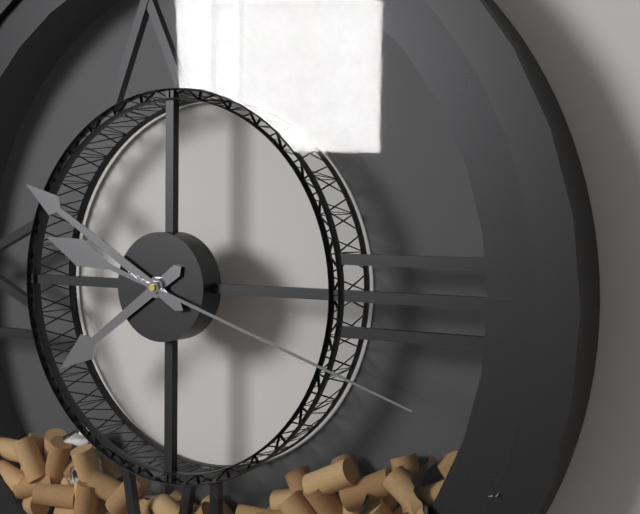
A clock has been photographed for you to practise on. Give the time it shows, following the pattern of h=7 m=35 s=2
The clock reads h=7 m=50 s=18
